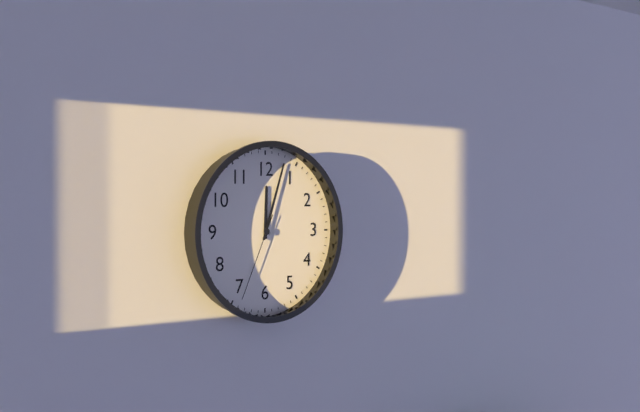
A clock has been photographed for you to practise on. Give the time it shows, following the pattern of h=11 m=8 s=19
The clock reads h=12 m=3 s=34
